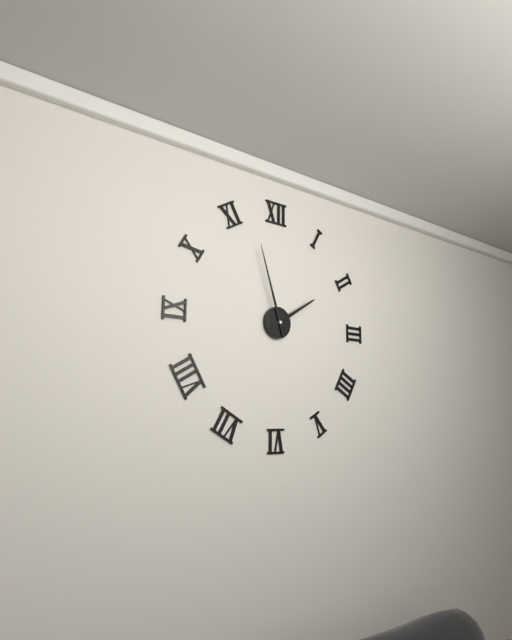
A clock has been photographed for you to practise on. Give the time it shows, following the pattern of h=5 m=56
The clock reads h=1 m=57
